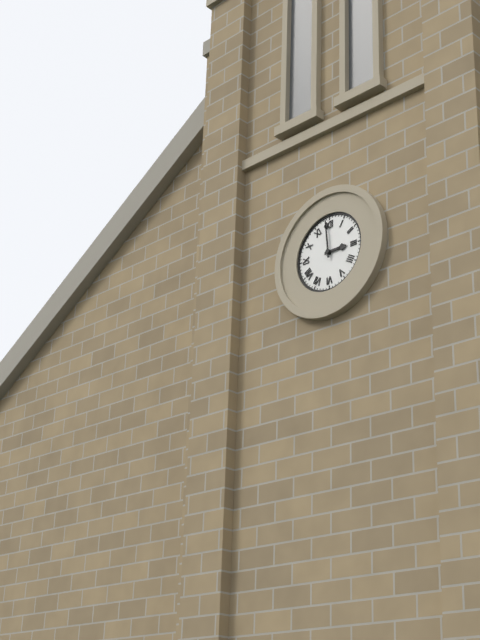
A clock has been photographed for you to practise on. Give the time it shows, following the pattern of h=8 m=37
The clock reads h=2 m=59
